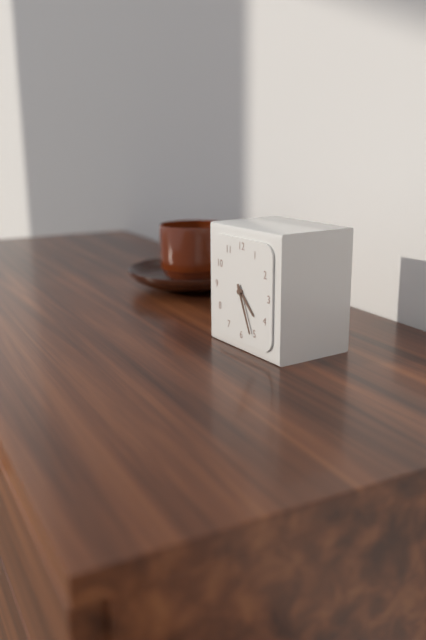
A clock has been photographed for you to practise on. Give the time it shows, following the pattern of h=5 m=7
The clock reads h=4 m=26
